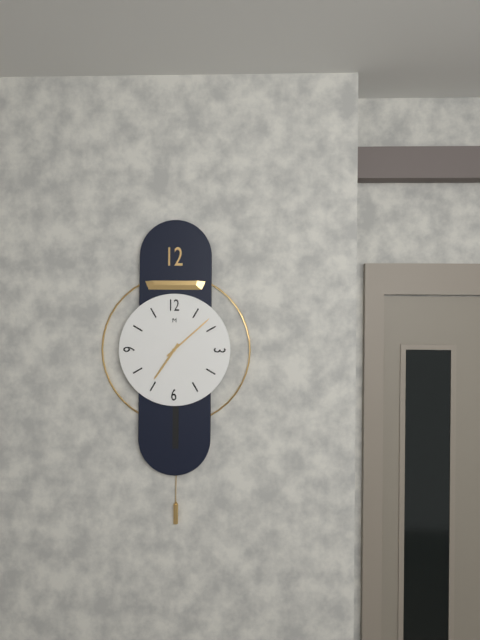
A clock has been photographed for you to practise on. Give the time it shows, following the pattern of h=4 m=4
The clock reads h=7 m=8
